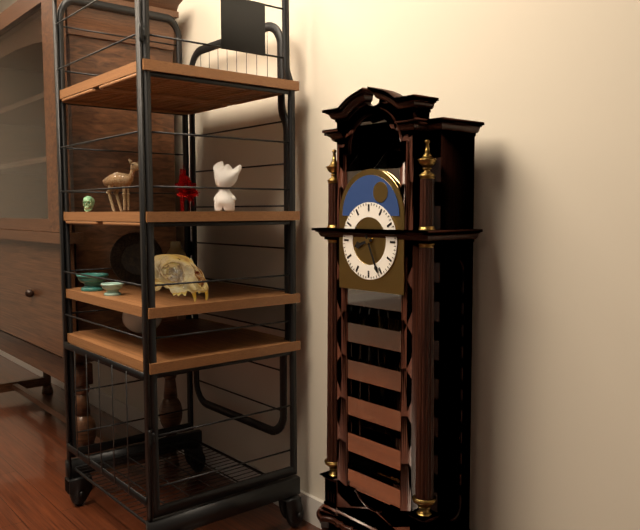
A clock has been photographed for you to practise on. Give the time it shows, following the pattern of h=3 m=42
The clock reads h=8 m=26
